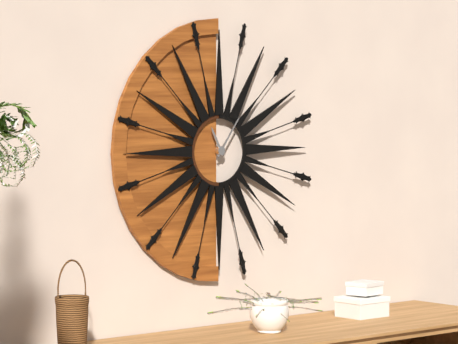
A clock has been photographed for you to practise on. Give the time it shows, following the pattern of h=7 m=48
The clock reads h=11 m=6
